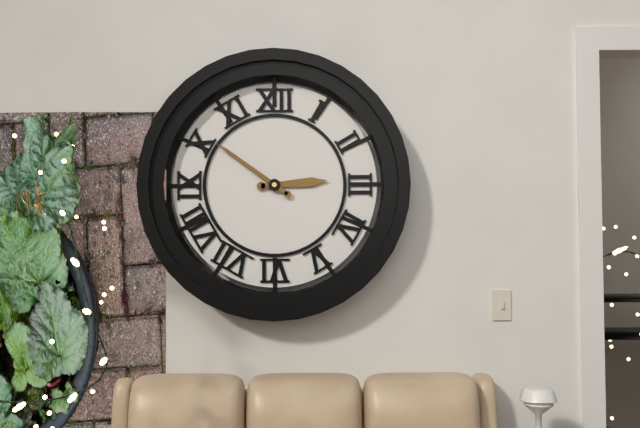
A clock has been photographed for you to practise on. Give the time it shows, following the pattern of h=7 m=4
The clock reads h=2 m=51
